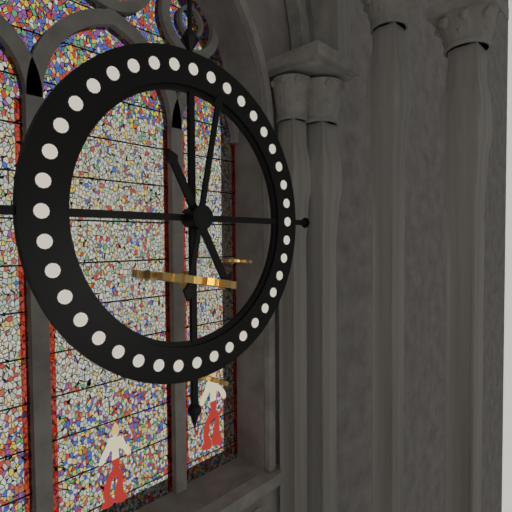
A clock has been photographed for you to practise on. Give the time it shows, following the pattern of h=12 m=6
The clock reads h=5 m=2
